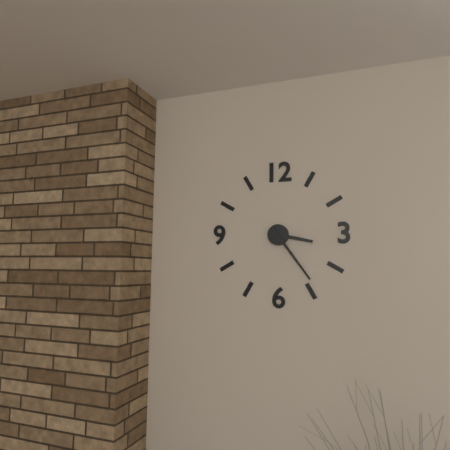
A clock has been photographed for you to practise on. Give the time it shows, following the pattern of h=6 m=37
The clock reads h=3 m=24
